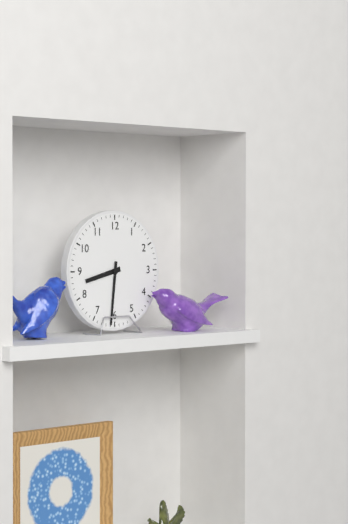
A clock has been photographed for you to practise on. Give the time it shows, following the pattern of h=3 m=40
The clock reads h=8 m=31
